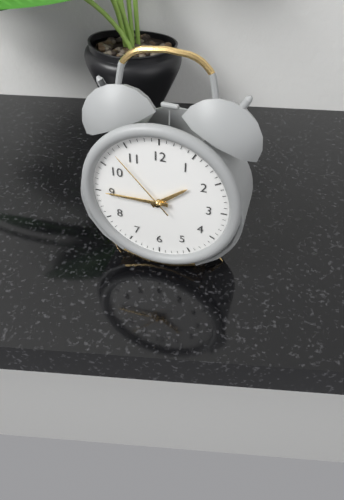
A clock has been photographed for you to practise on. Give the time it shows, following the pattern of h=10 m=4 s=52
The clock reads h=1 m=45 s=53
